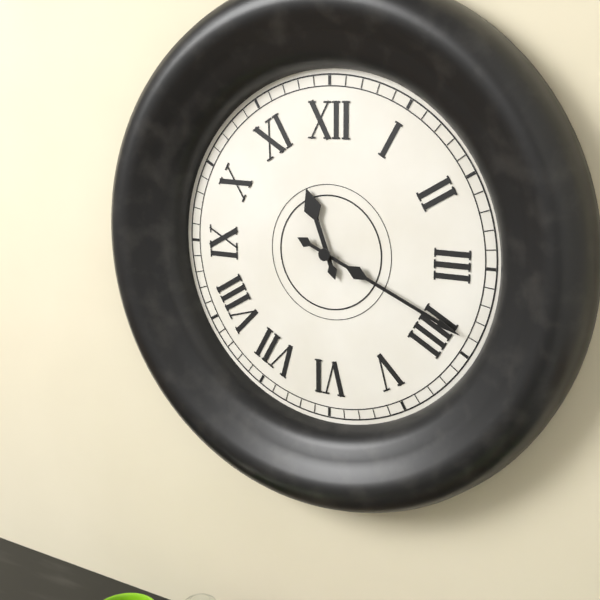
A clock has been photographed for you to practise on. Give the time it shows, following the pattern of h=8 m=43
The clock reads h=11 m=19
